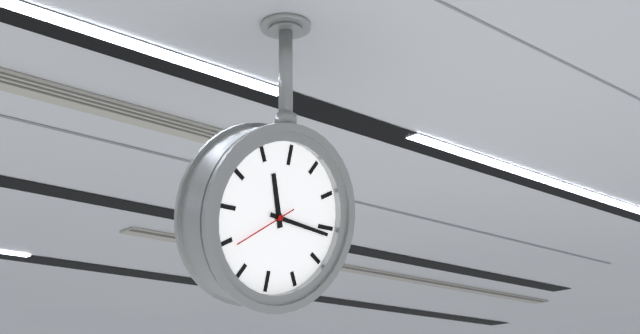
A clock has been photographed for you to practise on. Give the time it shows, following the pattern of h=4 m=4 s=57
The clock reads h=11 m=16 s=39
